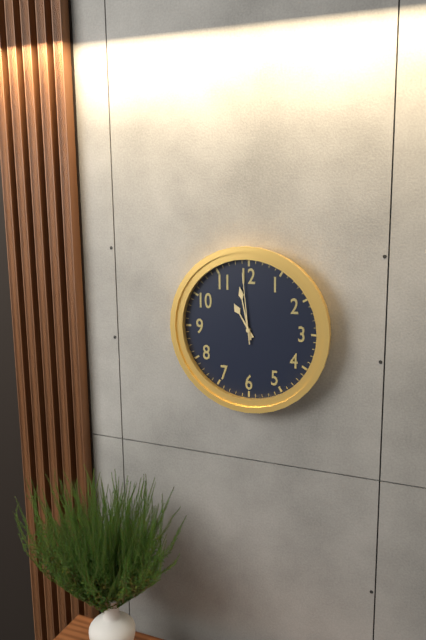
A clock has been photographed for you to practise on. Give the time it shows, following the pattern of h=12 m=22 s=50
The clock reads h=10 m=58 s=59
